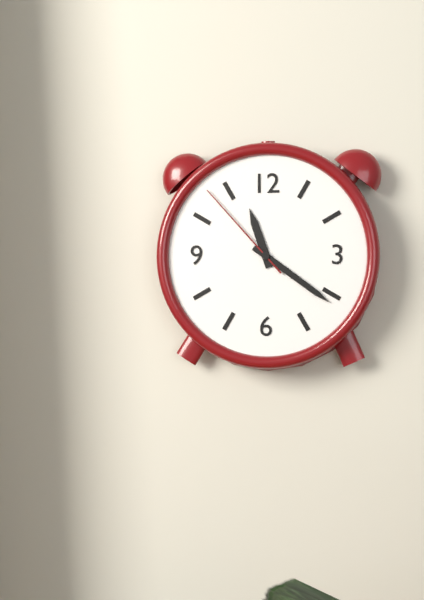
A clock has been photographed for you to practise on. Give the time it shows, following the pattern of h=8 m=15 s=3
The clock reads h=11 m=21 s=53
